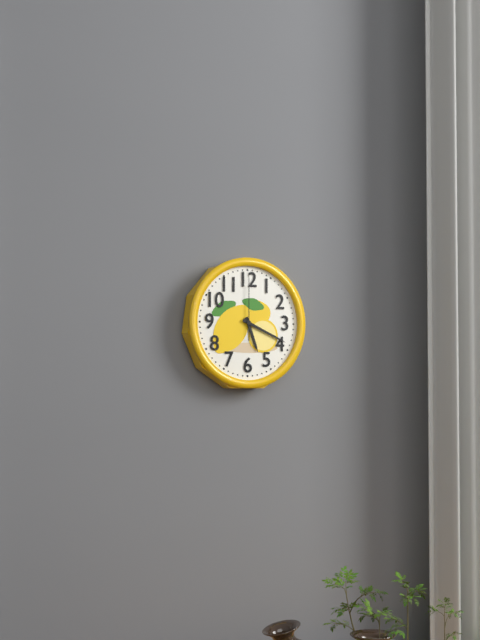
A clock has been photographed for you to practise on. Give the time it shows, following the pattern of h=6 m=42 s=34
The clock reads h=5 m=19 s=0
